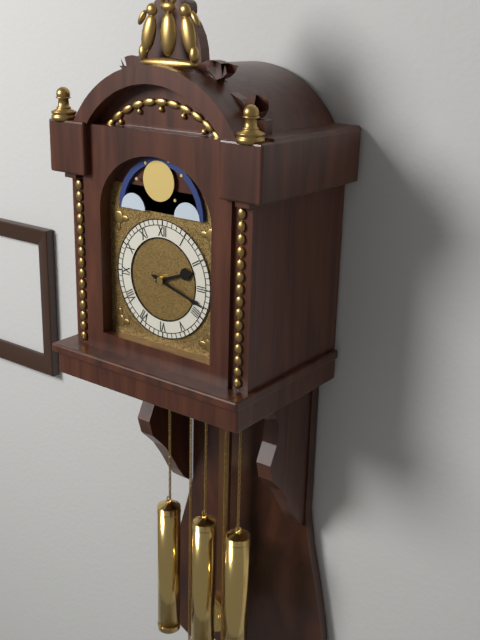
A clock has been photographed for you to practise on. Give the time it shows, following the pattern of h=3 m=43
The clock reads h=2 m=18
